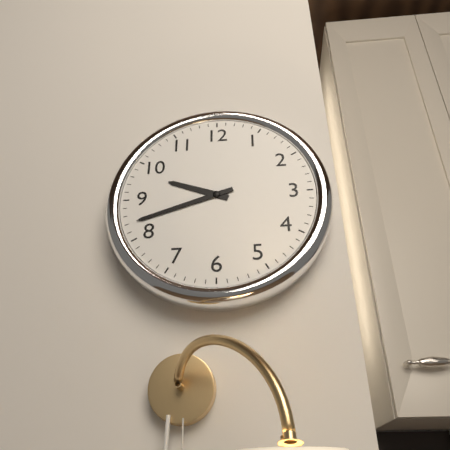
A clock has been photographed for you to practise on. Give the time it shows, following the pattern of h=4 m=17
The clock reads h=9 m=42
